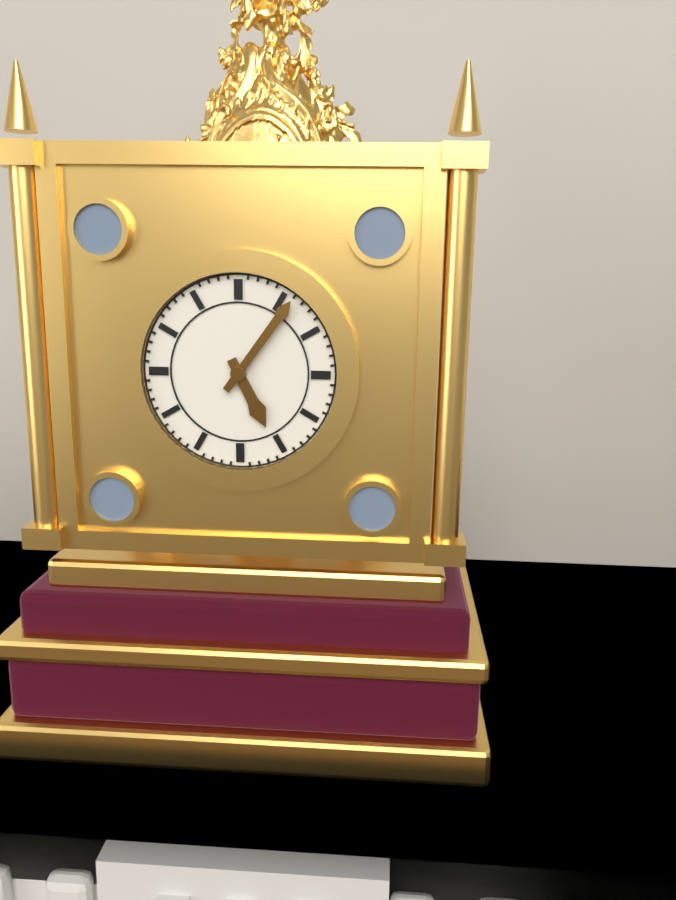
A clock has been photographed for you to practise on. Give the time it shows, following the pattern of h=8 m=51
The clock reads h=5 m=6
